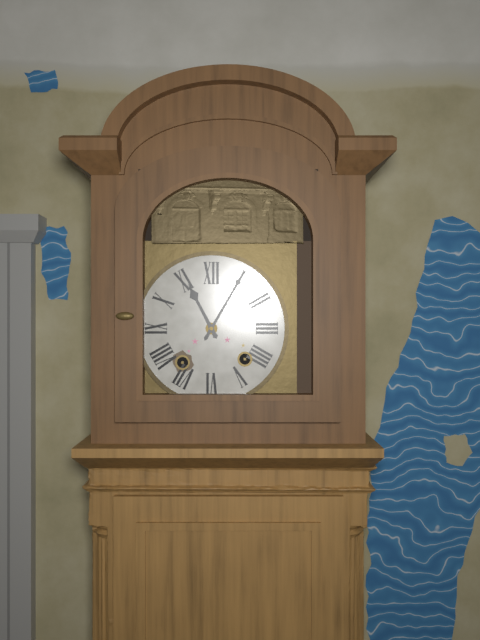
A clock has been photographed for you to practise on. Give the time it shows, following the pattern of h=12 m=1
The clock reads h=11 m=5
